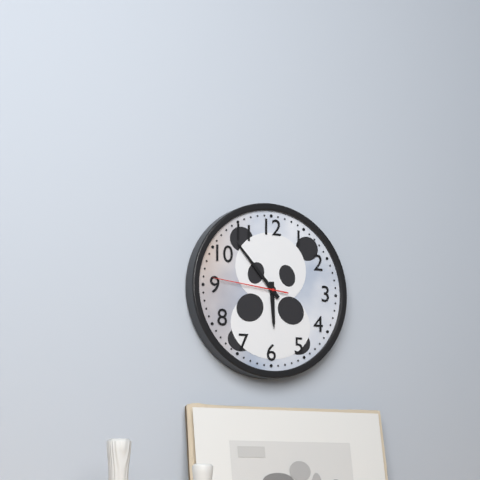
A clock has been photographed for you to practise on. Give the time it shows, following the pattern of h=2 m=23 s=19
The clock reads h=5 m=53 s=46
